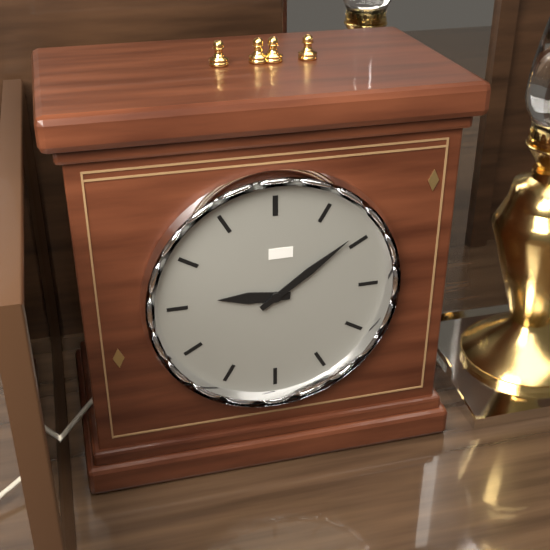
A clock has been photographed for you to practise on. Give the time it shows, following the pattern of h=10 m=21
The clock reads h=9 m=9
